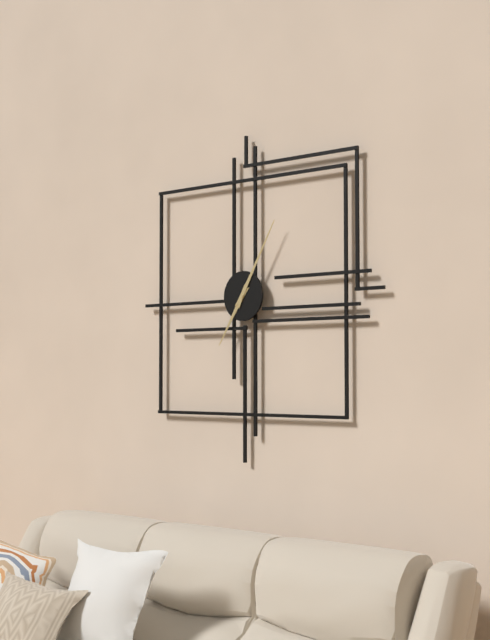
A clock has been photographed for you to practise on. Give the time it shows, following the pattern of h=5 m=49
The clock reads h=7 m=5
